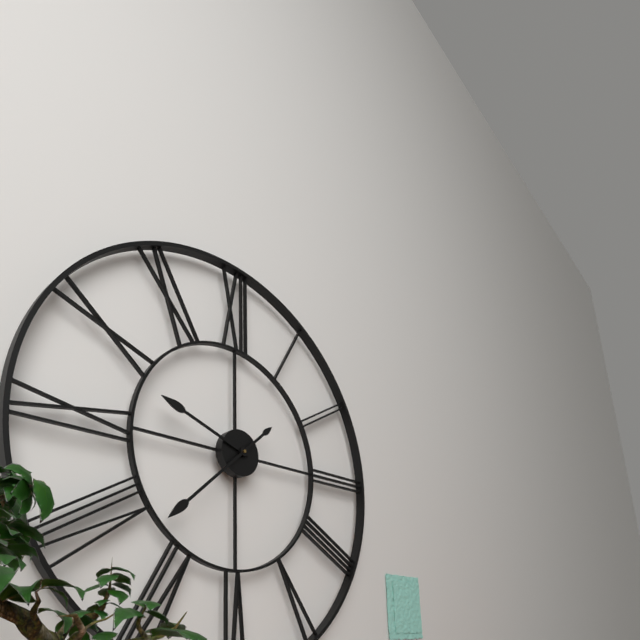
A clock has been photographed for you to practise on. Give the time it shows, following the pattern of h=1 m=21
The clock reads h=9 m=38
